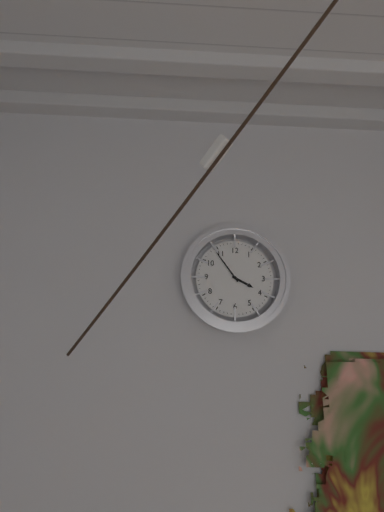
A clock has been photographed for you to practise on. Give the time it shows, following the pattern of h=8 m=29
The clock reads h=3 m=54
